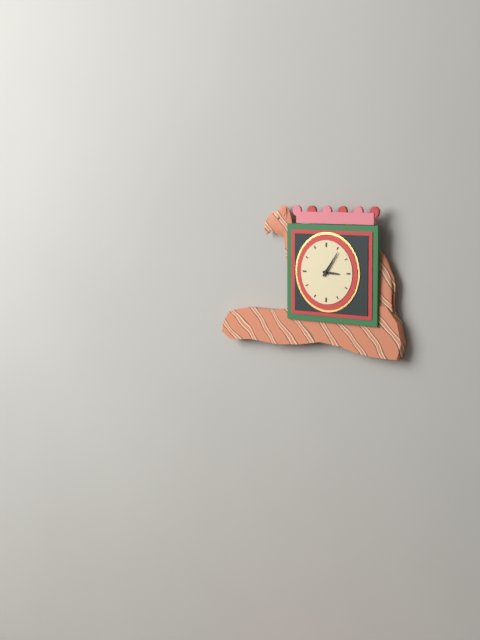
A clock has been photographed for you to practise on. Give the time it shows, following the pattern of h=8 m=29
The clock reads h=3 m=6
